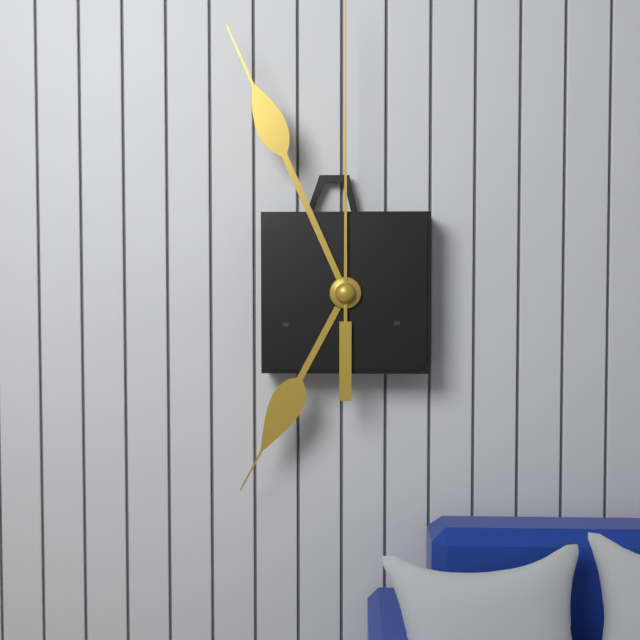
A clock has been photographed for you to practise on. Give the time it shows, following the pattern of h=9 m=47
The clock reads h=6 m=56
